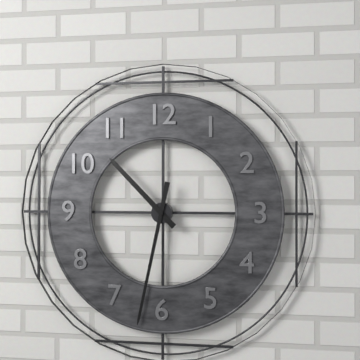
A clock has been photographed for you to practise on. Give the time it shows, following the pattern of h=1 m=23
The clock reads h=10 m=32
